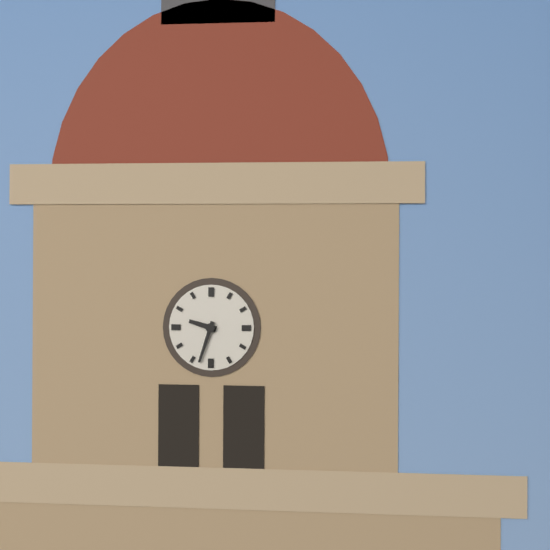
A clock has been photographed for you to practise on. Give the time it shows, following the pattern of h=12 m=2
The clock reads h=9 m=33
